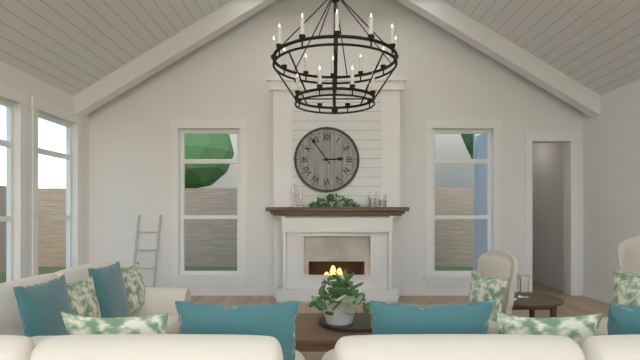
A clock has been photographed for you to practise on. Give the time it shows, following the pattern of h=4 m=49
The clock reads h=2 m=54
